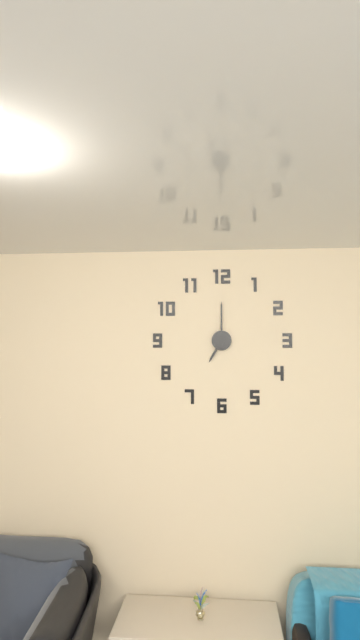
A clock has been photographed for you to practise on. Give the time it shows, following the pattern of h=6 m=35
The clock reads h=7 m=0
